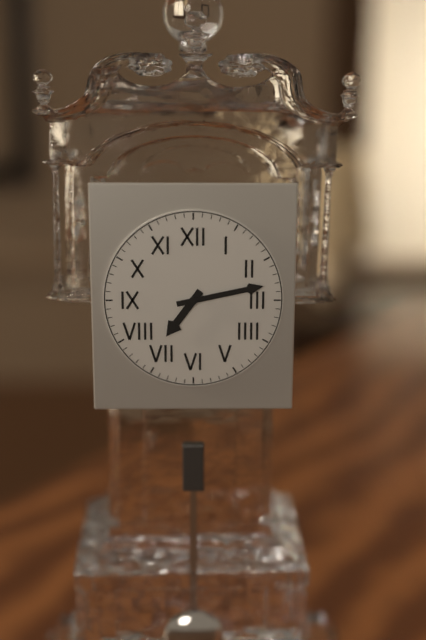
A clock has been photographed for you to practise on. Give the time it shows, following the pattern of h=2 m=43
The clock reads h=7 m=13
